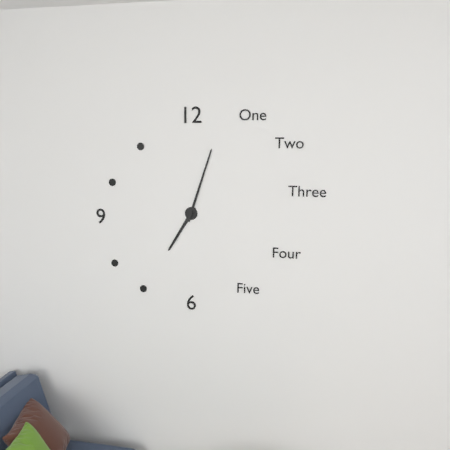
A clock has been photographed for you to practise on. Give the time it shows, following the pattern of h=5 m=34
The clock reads h=7 m=3
